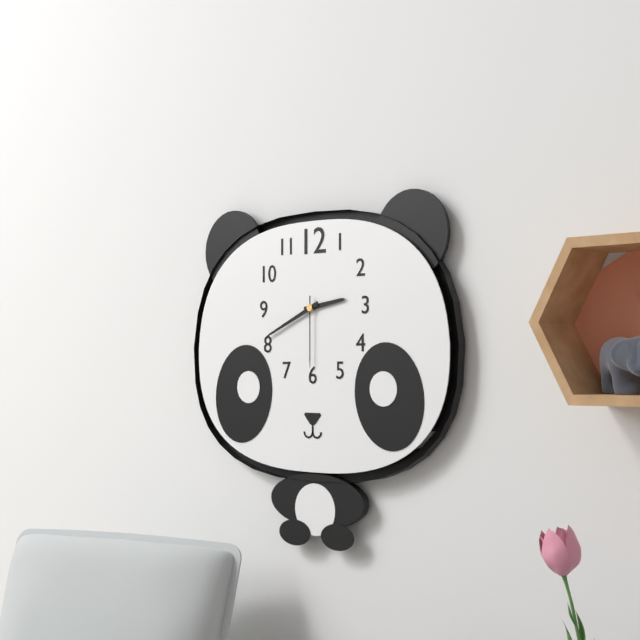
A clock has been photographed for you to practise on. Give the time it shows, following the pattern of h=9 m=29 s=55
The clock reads h=2 m=41 s=30
